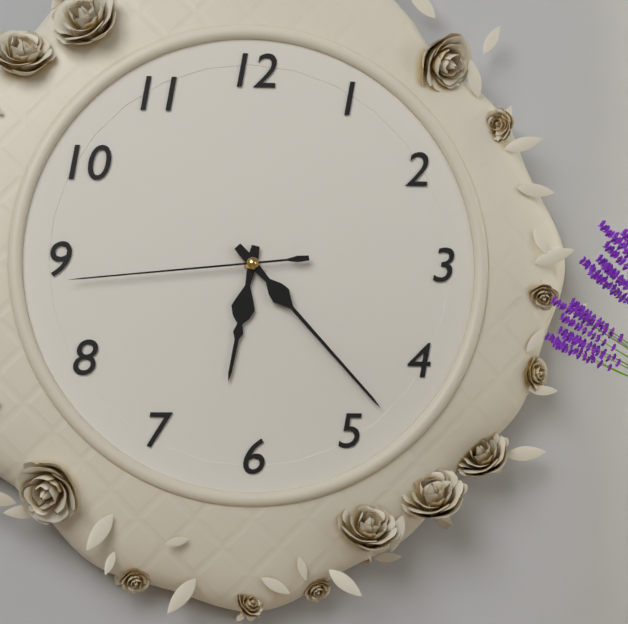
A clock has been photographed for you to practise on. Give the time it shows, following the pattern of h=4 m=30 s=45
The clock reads h=6 m=23 s=44
